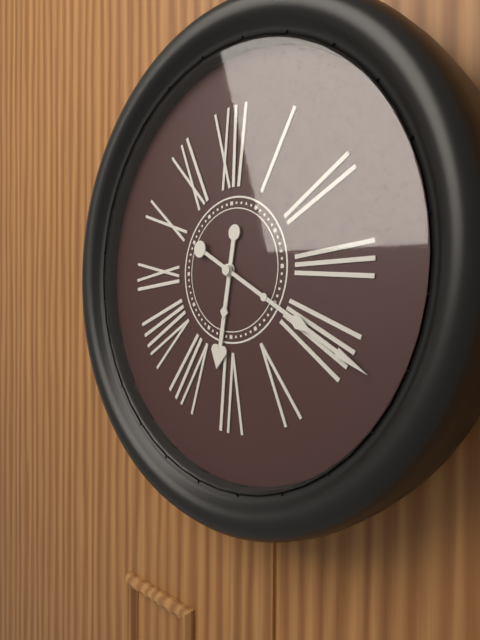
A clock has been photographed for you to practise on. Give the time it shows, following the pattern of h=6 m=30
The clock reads h=6 m=20
